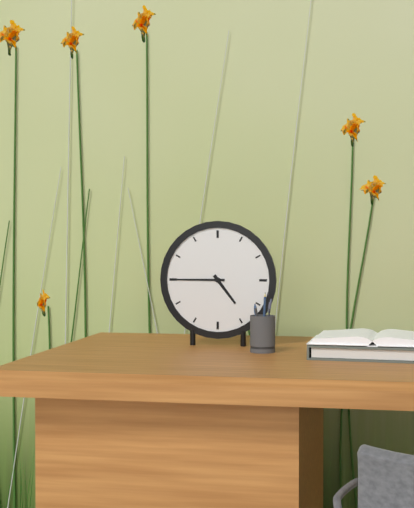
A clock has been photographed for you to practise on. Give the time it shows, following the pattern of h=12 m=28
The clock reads h=4 m=45
